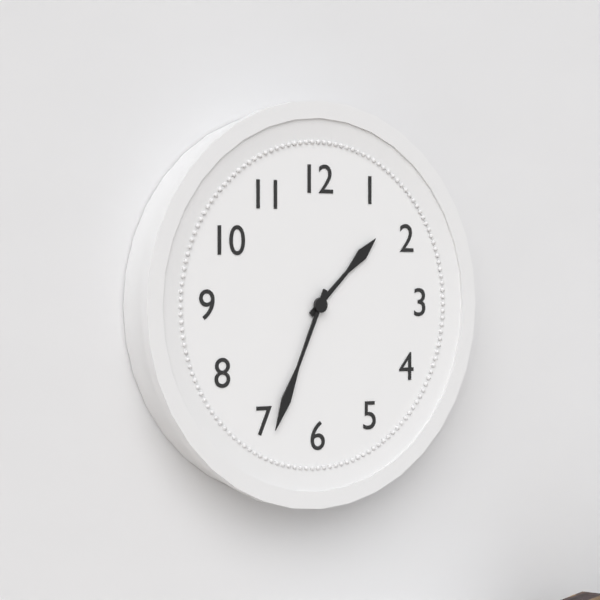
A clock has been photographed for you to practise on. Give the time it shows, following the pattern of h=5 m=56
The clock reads h=1 m=34
